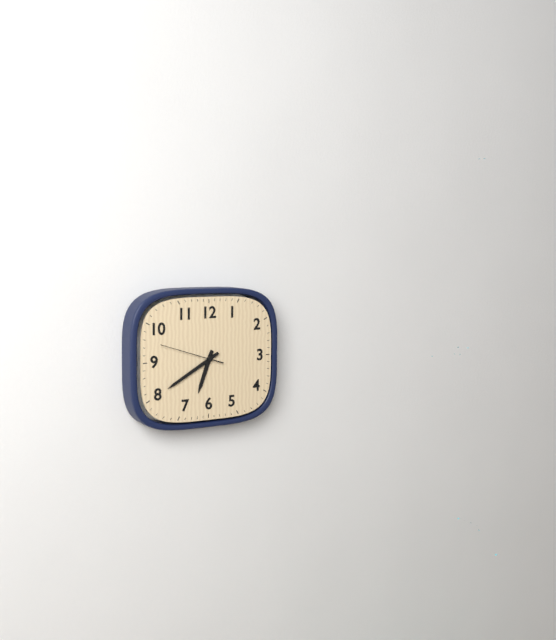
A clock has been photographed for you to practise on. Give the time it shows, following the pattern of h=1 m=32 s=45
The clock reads h=6 m=40 s=48
